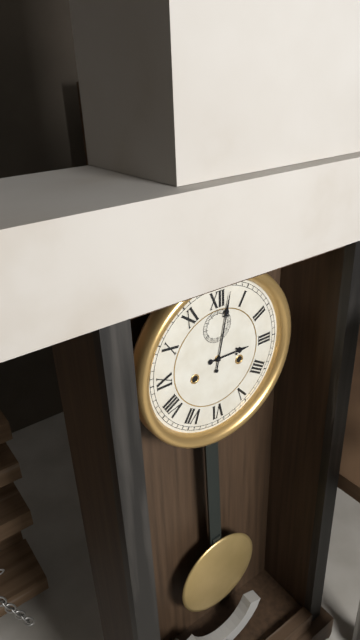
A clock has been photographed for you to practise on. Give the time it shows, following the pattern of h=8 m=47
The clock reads h=3 m=2
